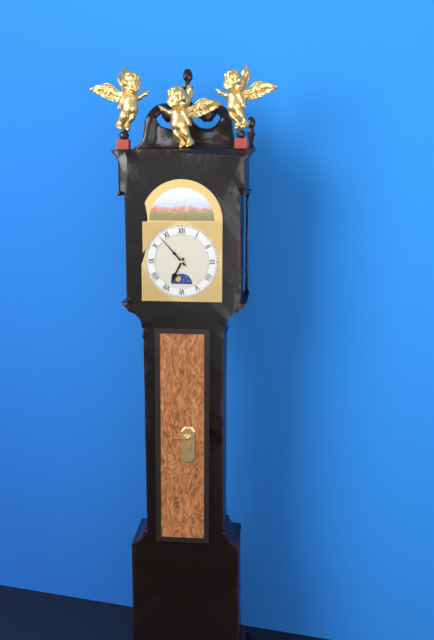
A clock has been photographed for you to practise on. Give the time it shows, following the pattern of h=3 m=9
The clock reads h=6 m=53
